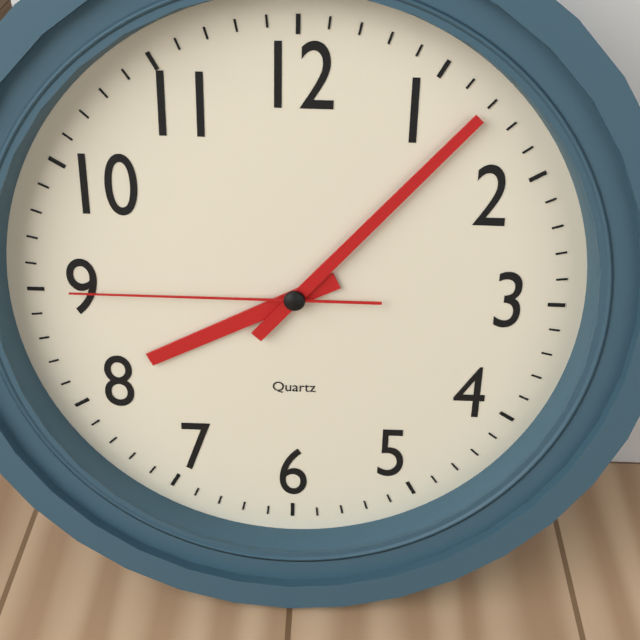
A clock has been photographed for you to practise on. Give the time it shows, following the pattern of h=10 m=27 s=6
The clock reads h=8 m=7 s=45
